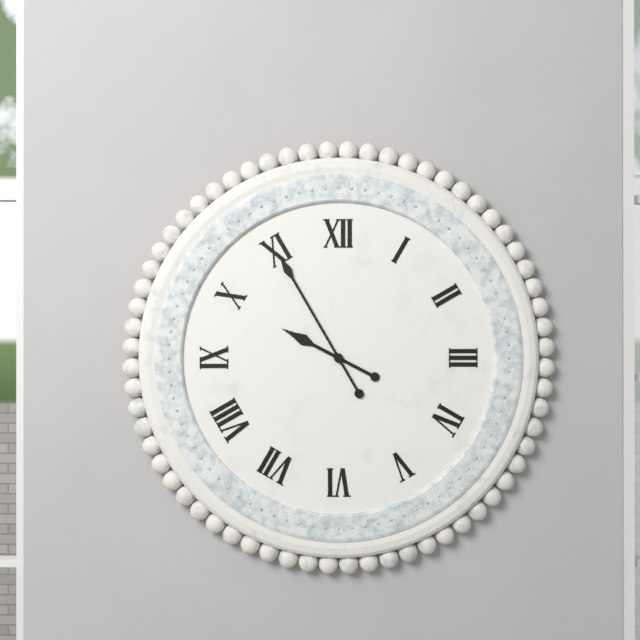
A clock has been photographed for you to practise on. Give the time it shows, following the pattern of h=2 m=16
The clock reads h=9 m=55
